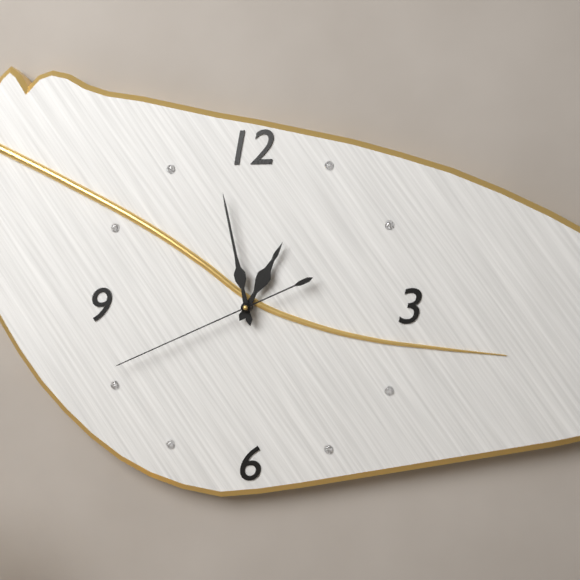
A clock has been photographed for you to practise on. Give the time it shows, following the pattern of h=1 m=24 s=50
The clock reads h=12 m=58 s=41
